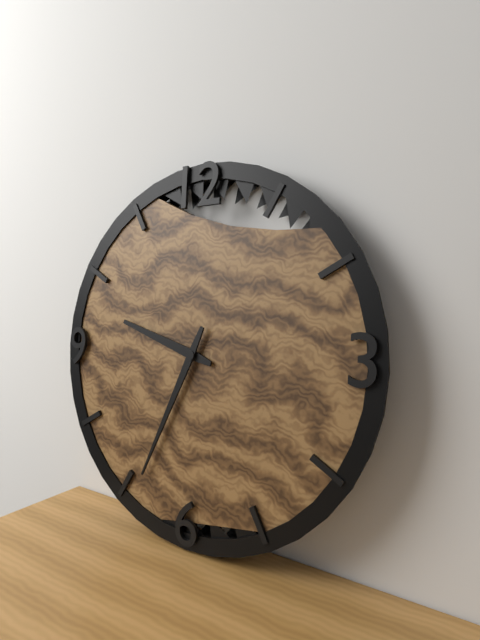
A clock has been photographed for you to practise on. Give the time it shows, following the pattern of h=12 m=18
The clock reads h=9 m=34
